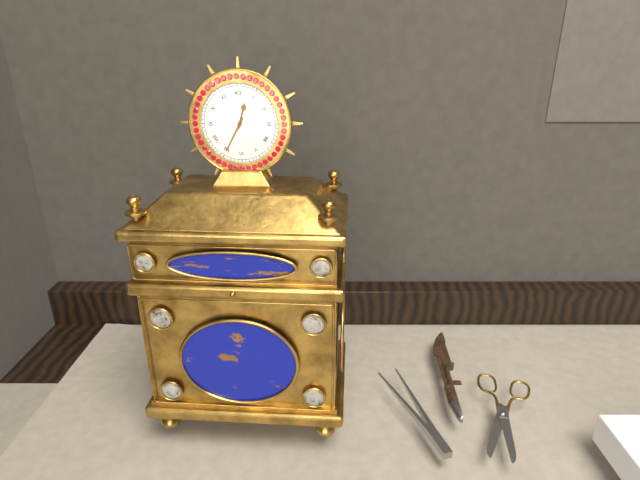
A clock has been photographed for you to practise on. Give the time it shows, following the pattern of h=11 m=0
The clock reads h=12 m=35
